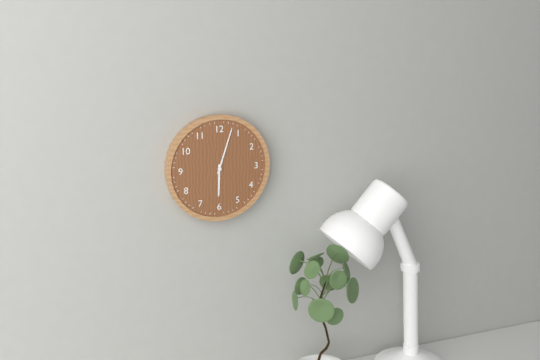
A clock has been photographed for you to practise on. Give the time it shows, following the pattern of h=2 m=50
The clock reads h=6 m=3
